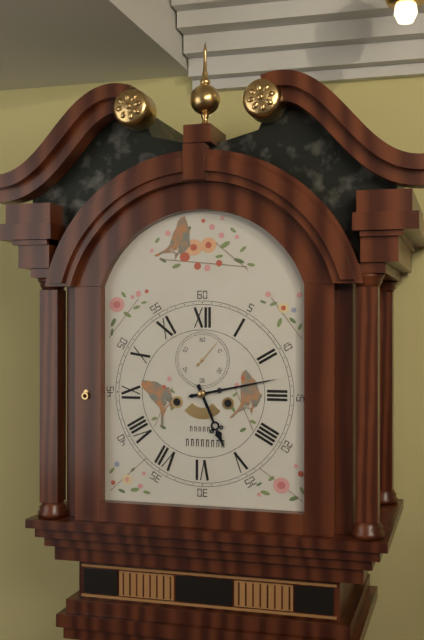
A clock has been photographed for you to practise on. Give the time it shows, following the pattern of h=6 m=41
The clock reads h=5 m=13
